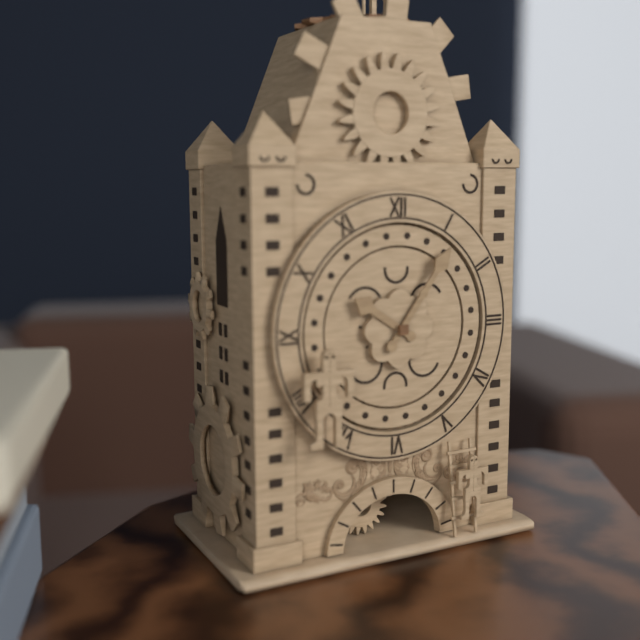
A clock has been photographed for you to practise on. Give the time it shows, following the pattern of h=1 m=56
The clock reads h=10 m=6
